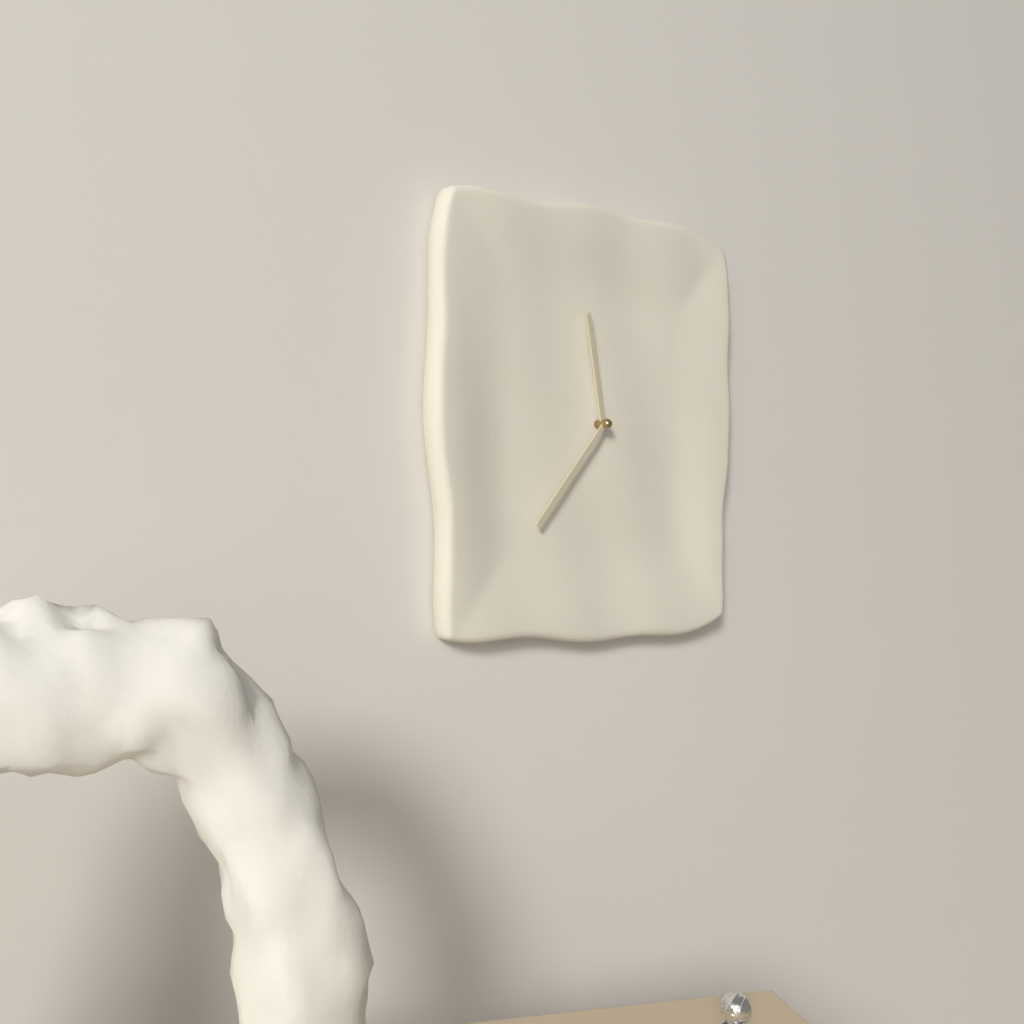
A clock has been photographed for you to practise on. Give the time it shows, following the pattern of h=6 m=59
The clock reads h=11 m=37
